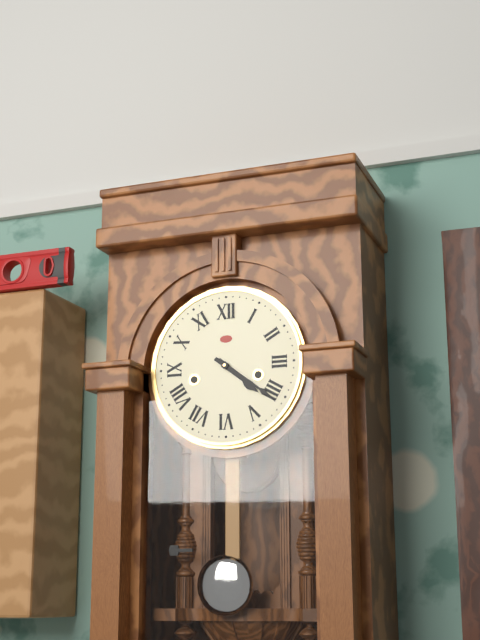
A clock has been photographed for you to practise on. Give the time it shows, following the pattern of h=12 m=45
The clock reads h=4 m=21
